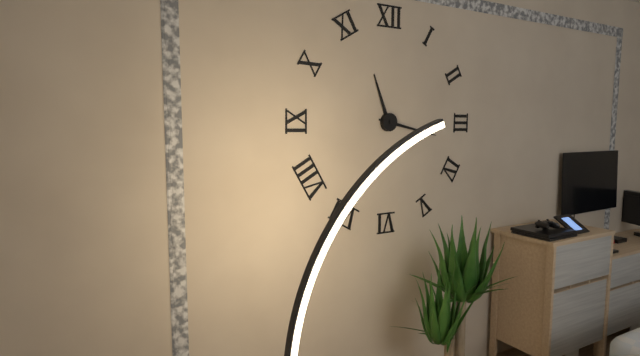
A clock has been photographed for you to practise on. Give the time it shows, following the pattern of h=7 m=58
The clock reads h=11 m=17
